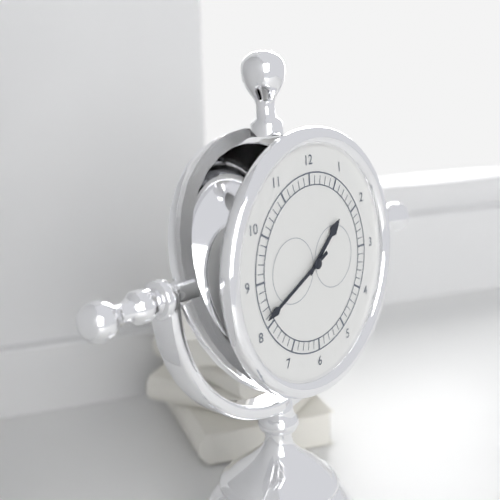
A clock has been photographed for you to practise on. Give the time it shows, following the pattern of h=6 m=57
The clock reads h=1 m=41
